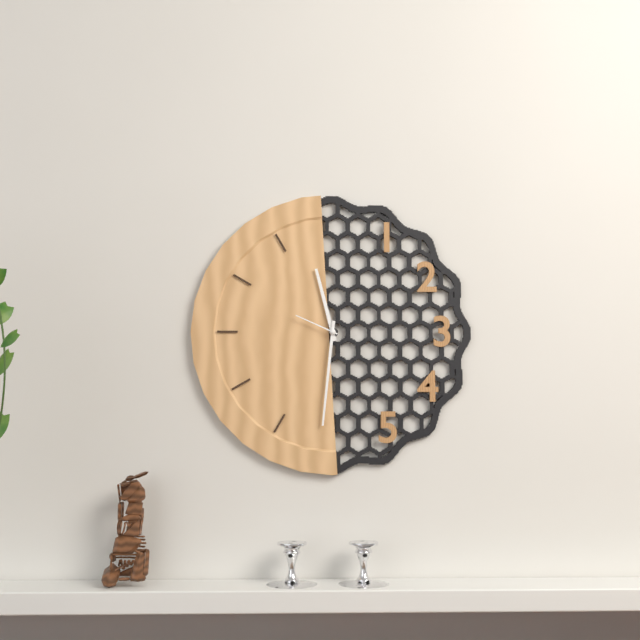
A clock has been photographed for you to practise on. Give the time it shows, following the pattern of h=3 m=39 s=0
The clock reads h=11 m=31 s=49
